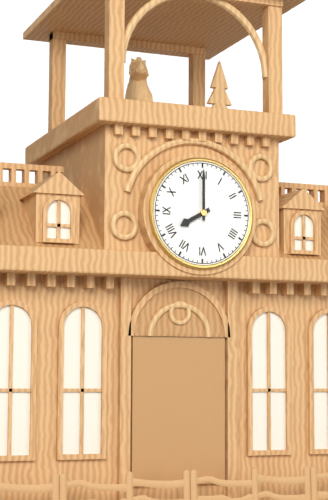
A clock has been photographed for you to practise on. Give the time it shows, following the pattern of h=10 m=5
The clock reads h=8 m=0
